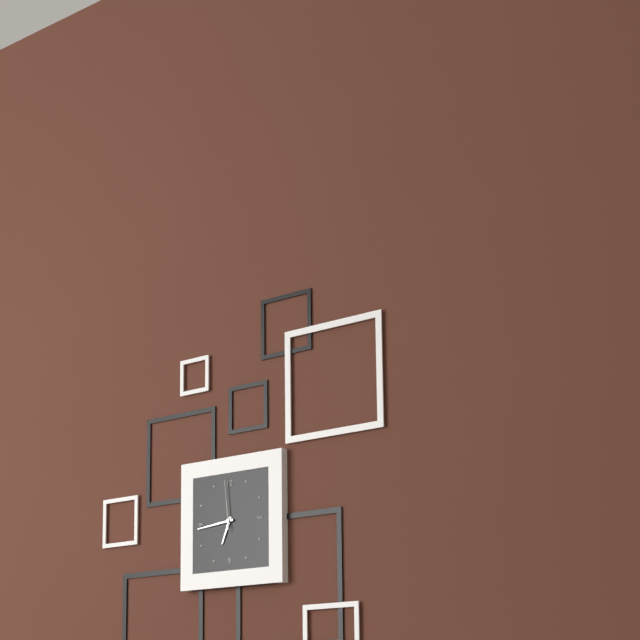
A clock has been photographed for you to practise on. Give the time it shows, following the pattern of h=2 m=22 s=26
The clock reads h=6 m=44 s=59
